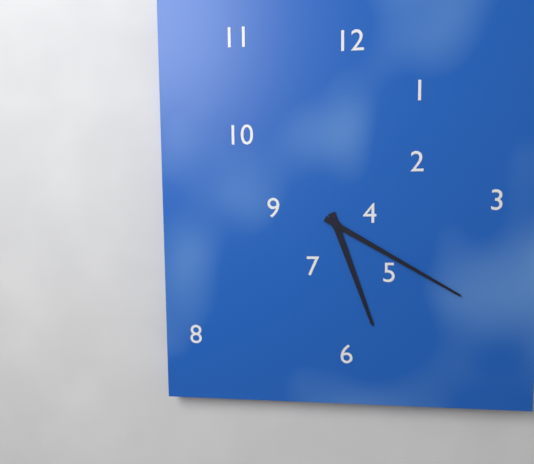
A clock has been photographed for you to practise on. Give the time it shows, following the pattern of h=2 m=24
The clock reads h=5 m=20
